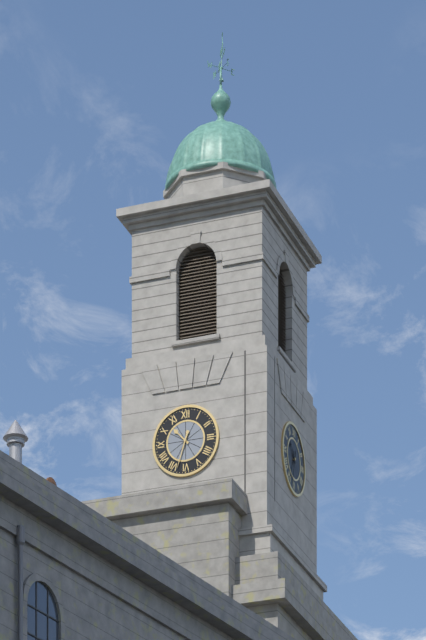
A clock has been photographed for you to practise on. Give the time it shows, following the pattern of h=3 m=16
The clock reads h=10 m=33
